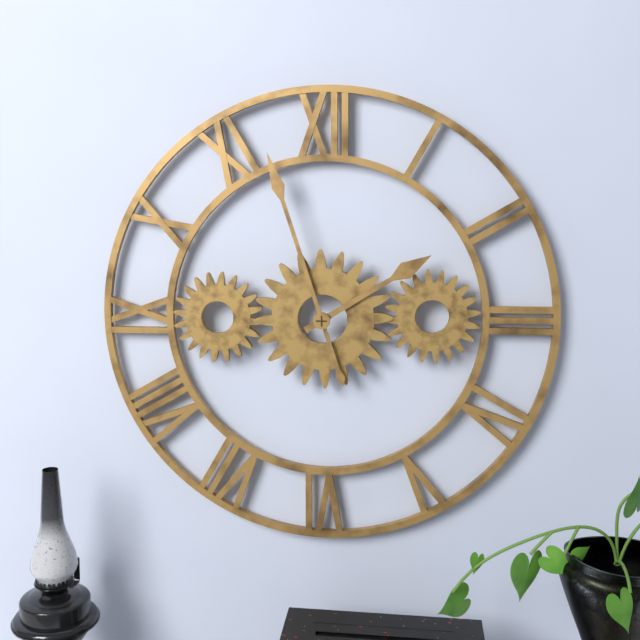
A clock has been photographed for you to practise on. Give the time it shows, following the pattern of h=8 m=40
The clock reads h=1 m=57
